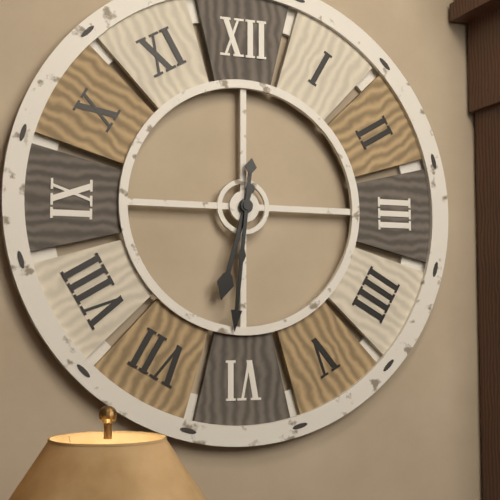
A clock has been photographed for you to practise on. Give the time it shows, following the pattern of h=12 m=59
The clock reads h=6 m=31
